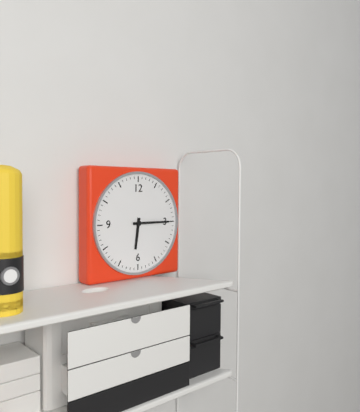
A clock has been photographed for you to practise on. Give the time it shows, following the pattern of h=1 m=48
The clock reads h=6 m=15
